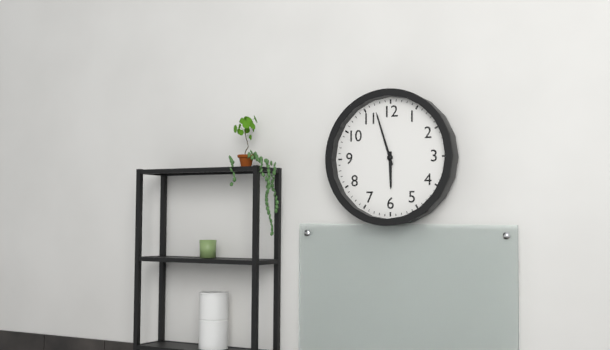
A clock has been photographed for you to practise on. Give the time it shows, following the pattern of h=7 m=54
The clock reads h=5 m=57
